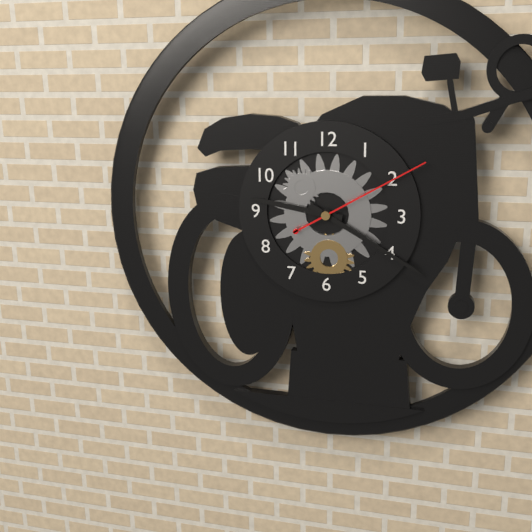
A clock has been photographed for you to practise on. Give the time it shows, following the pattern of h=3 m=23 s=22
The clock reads h=9 m=20 s=10
